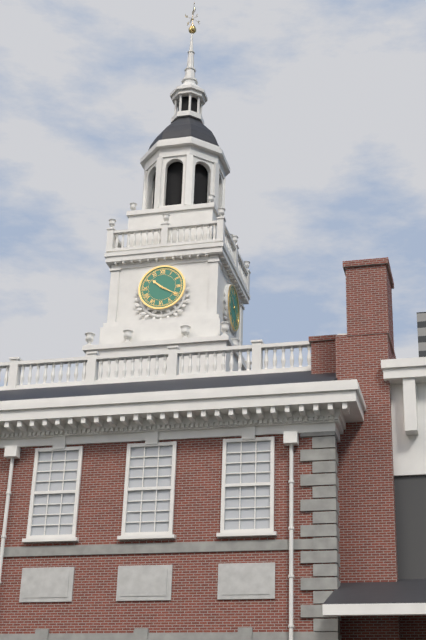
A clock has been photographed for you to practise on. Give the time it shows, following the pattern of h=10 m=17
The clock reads h=10 m=20
